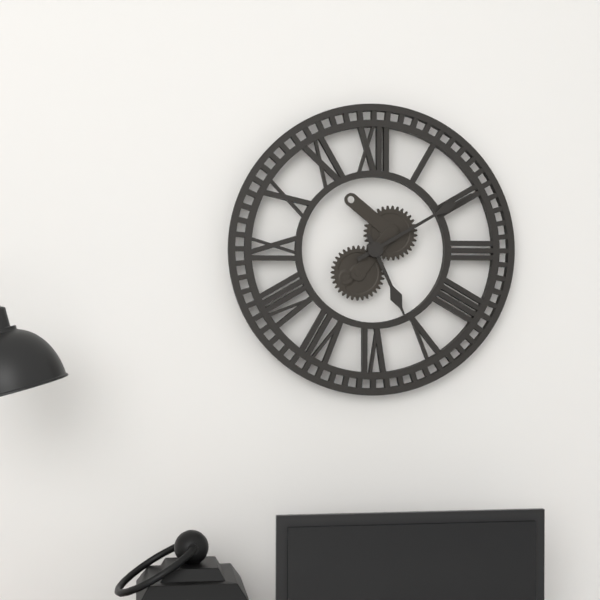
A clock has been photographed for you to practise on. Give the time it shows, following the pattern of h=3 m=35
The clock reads h=5 m=10
